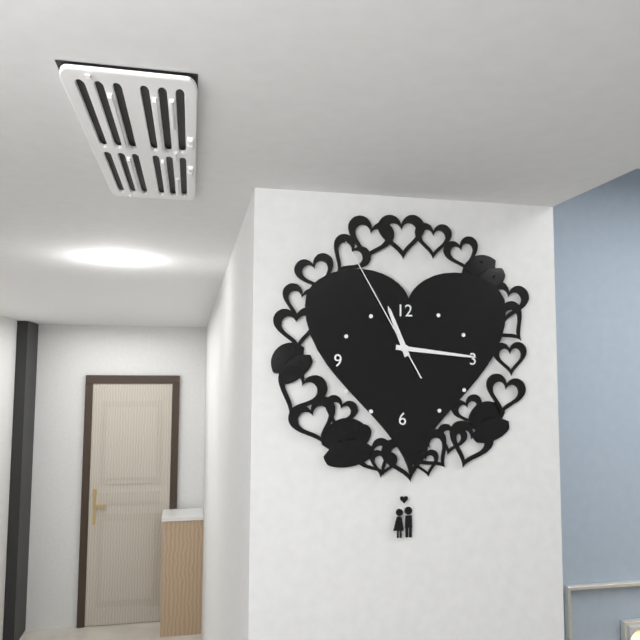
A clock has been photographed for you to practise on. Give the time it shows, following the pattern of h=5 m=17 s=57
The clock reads h=11 m=16 s=55
